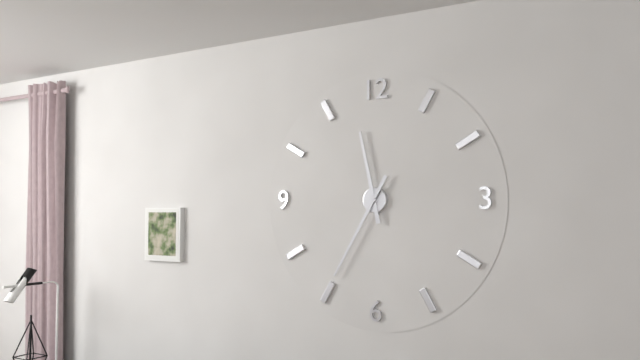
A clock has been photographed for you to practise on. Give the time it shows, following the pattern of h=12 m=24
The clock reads h=11 m=35
